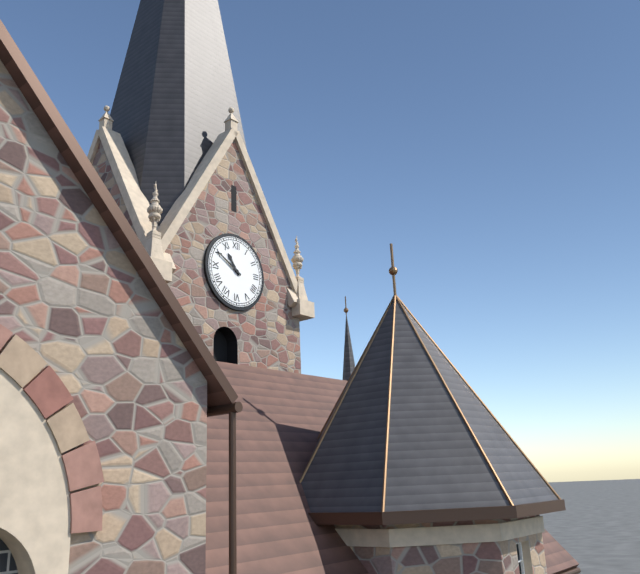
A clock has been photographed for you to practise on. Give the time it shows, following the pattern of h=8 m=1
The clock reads h=10 m=50
